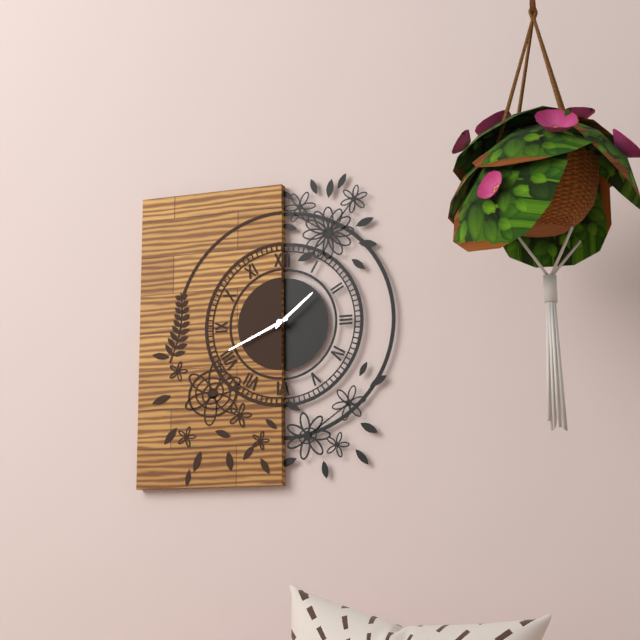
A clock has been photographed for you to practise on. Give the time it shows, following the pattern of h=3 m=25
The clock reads h=1 m=41
